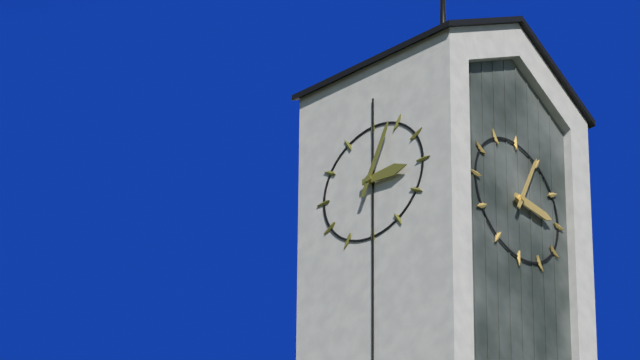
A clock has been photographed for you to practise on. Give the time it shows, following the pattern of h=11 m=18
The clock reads h=3 m=4
